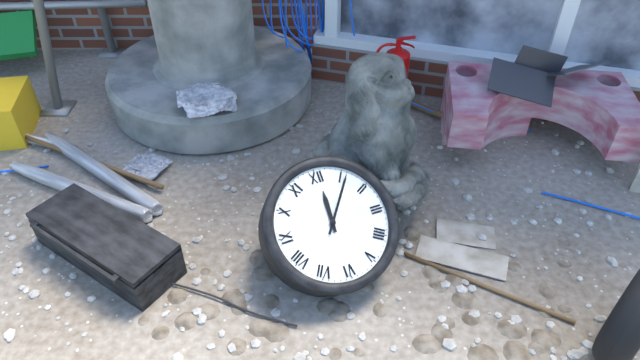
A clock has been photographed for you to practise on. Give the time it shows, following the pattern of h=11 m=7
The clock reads h=12 m=6
